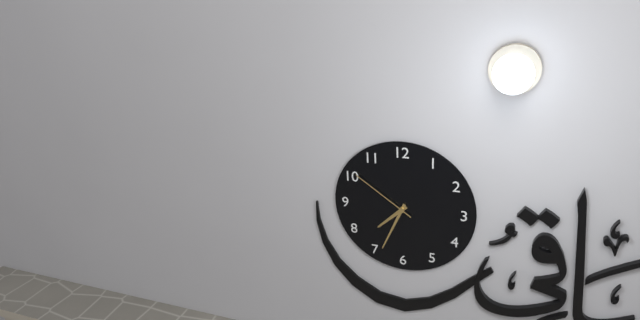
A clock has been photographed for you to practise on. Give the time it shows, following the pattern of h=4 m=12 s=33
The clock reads h=7 m=34 s=51
